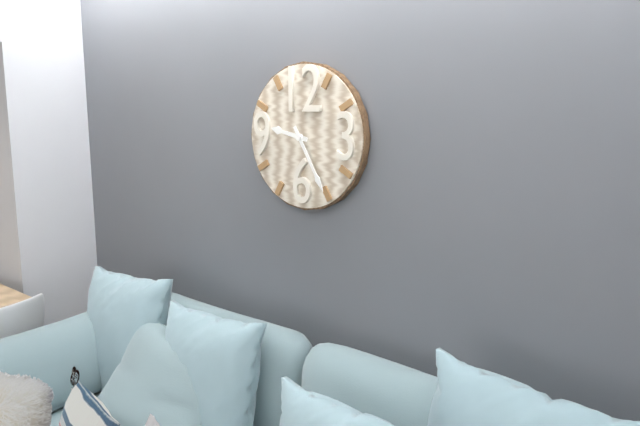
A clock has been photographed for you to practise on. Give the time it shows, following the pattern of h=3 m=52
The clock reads h=9 m=25
